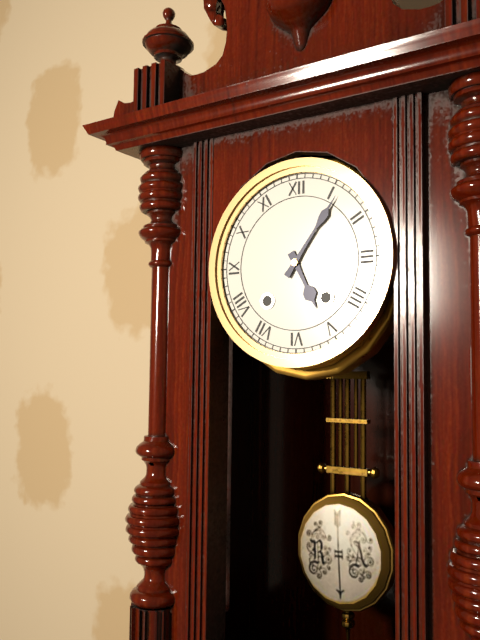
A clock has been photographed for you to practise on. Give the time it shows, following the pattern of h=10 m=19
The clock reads h=5 m=6
